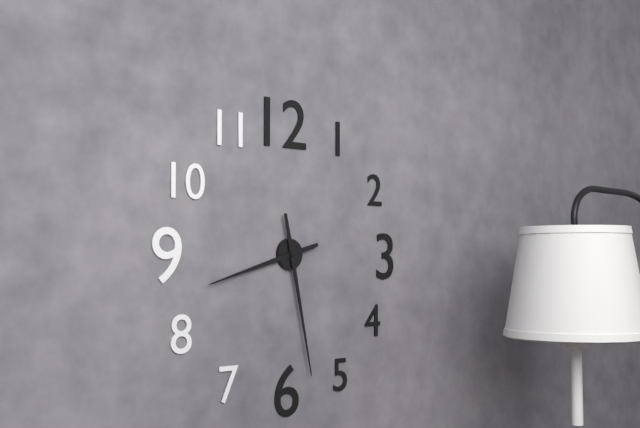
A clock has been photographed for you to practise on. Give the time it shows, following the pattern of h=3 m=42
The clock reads h=8 m=28
